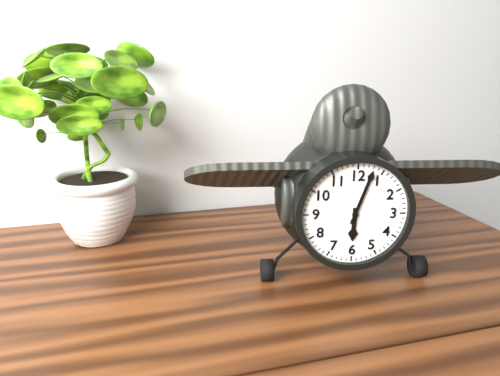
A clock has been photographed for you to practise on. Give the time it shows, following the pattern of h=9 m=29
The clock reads h=6 m=3
